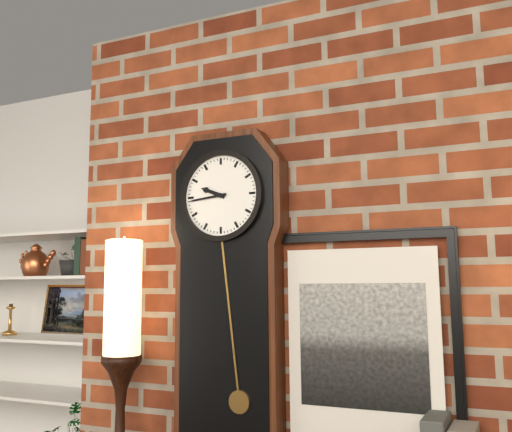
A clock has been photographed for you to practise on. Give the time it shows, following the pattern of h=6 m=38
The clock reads h=9 m=44
